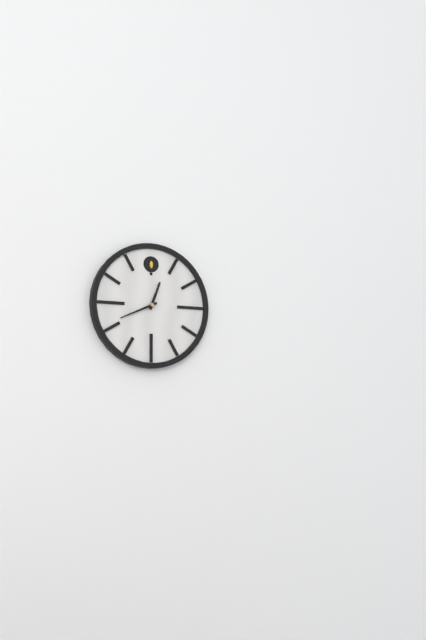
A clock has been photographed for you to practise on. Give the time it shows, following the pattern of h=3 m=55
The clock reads h=12 m=41
